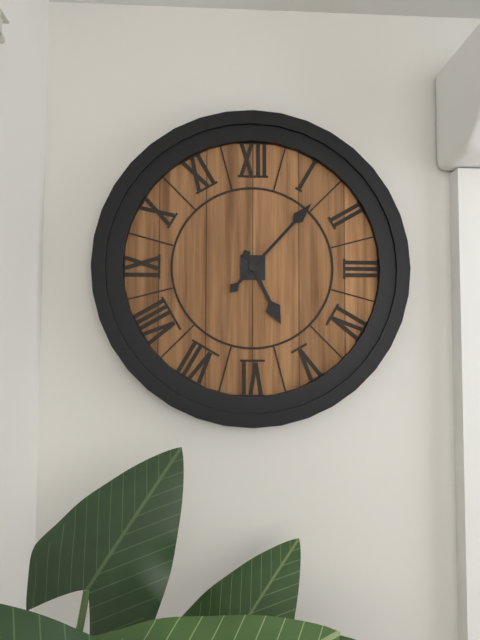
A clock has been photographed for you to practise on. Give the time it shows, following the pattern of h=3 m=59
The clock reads h=5 m=7
